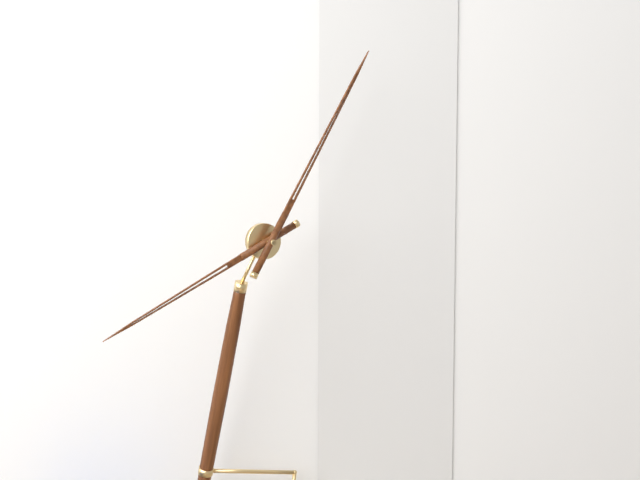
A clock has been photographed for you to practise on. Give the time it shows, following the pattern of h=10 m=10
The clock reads h=8 m=5
